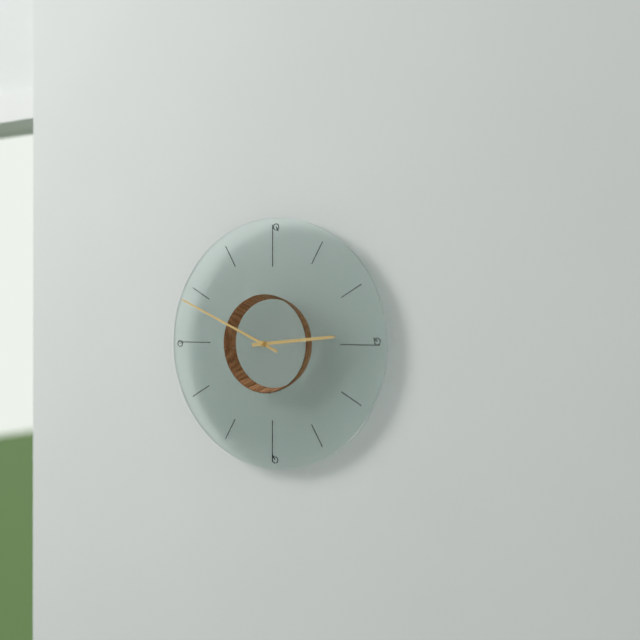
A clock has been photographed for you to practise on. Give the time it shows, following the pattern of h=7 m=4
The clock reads h=2 m=49
